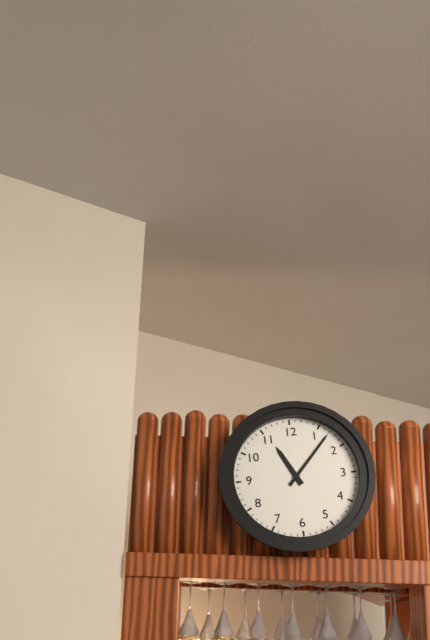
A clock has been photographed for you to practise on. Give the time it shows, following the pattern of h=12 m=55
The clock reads h=11 m=7
